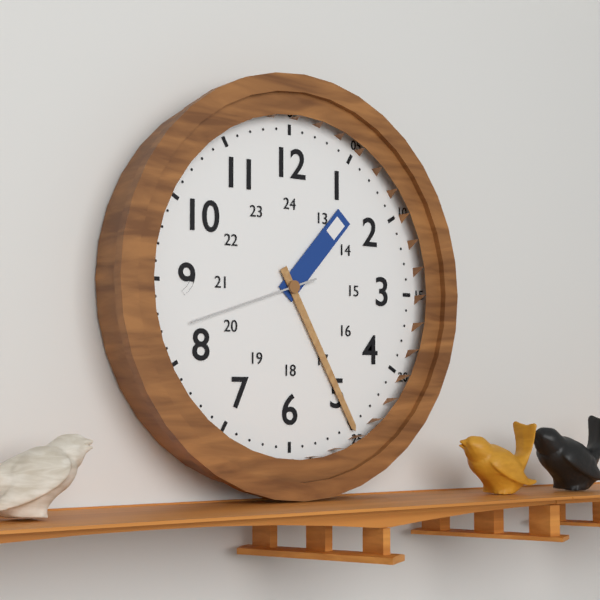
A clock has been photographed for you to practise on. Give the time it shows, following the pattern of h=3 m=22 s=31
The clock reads h=1 m=25 s=42
